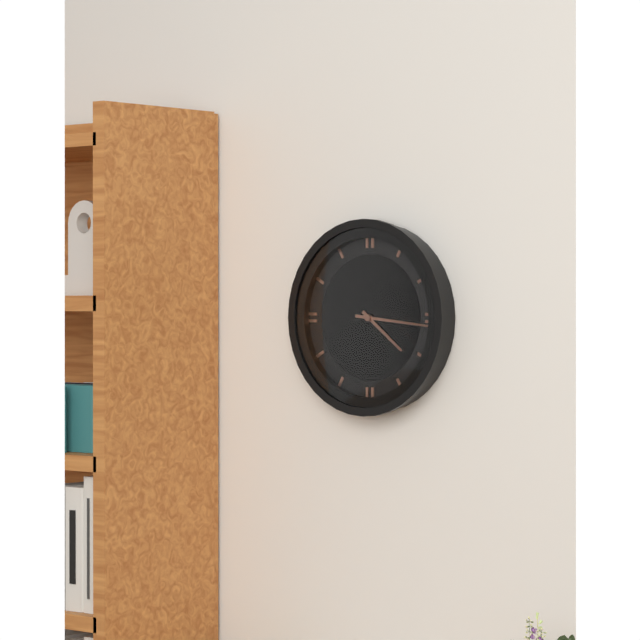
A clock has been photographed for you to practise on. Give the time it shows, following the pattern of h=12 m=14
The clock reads h=4 m=16
